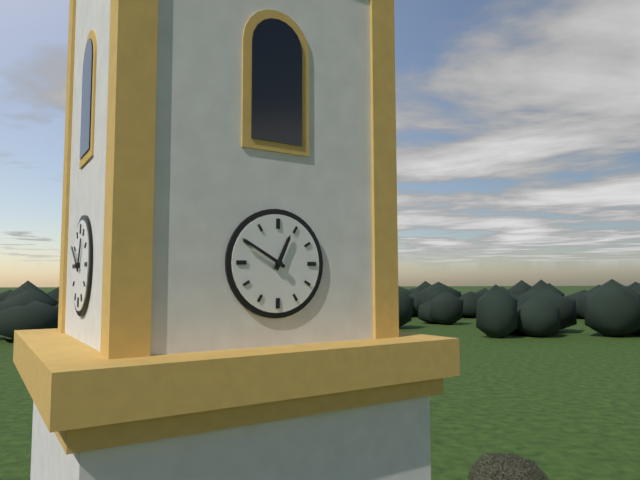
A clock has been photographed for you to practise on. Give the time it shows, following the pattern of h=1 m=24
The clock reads h=12 m=50
